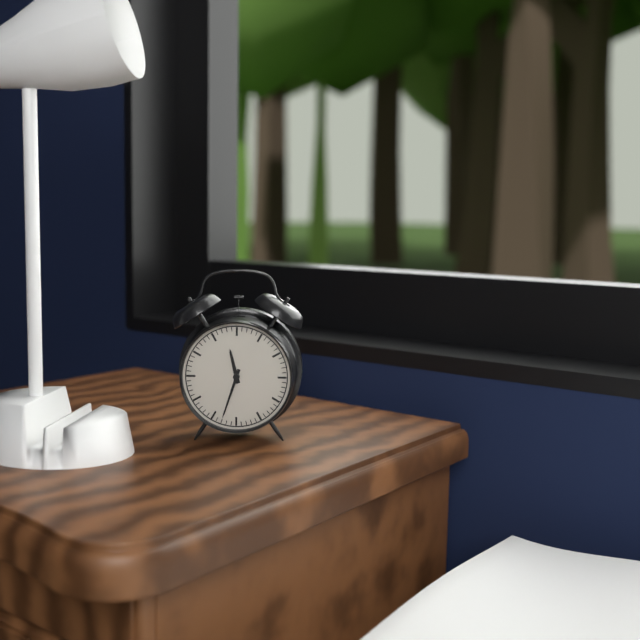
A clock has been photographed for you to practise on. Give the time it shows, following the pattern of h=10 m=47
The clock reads h=11 m=33
